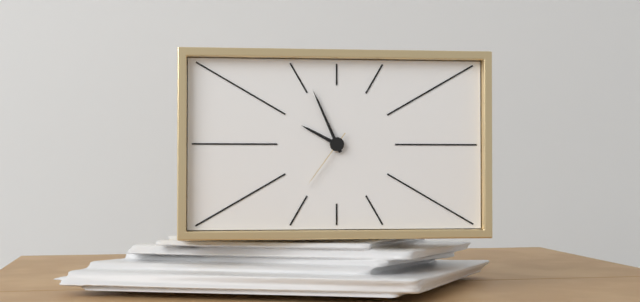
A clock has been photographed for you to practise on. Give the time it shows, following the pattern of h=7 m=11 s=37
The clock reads h=9 m=56 s=36
